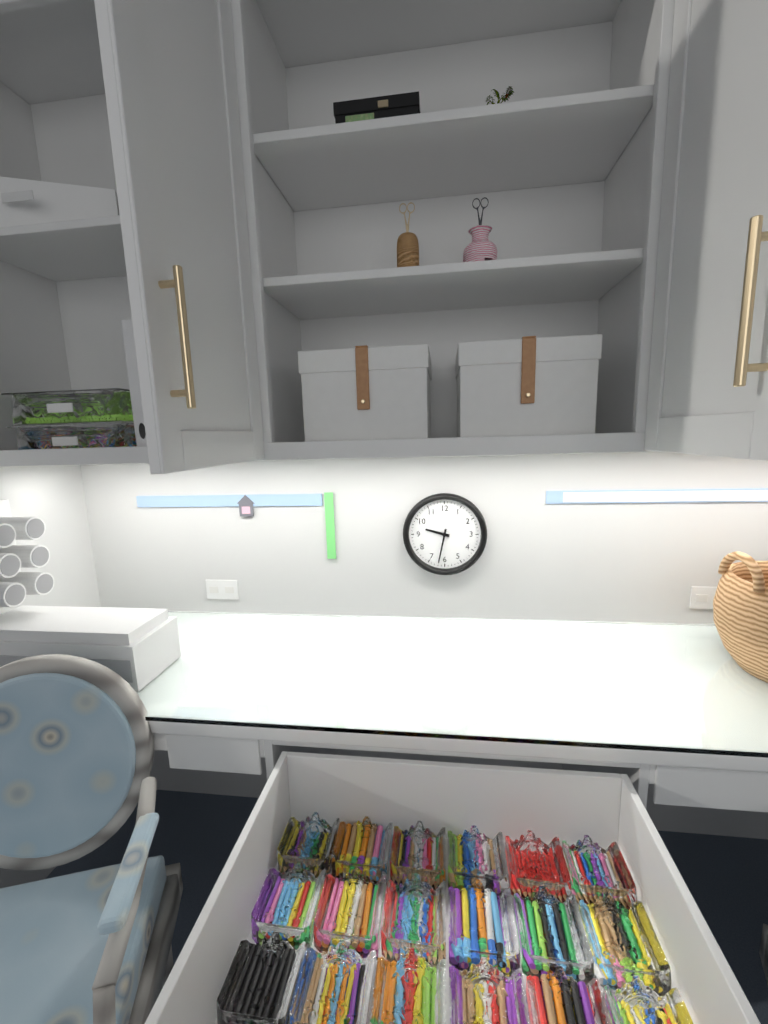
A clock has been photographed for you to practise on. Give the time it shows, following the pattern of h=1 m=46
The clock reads h=9 m=32
